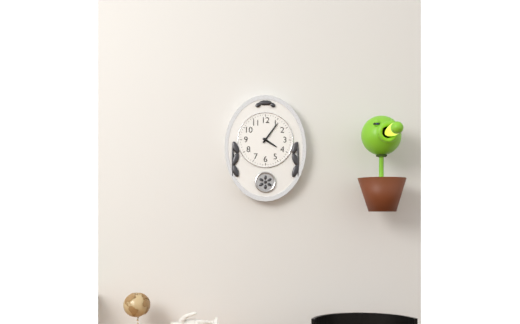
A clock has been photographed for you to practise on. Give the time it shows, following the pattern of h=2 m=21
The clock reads h=4 m=6
